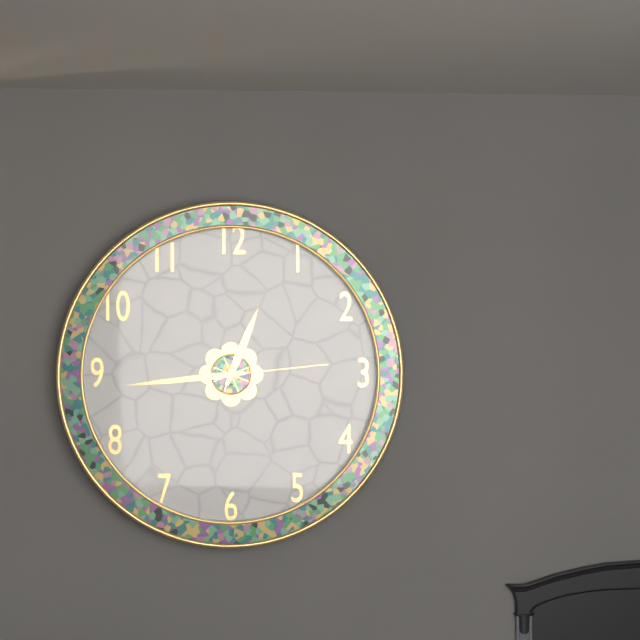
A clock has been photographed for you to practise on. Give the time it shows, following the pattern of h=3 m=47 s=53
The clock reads h=12 m=44 s=14
